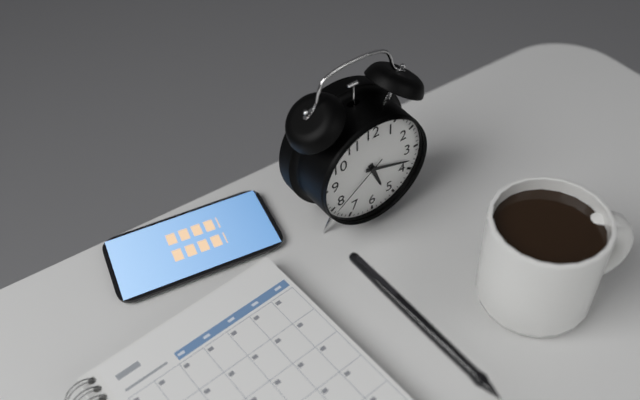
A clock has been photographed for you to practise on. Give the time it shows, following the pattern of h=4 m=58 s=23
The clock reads h=5 m=18 s=39
